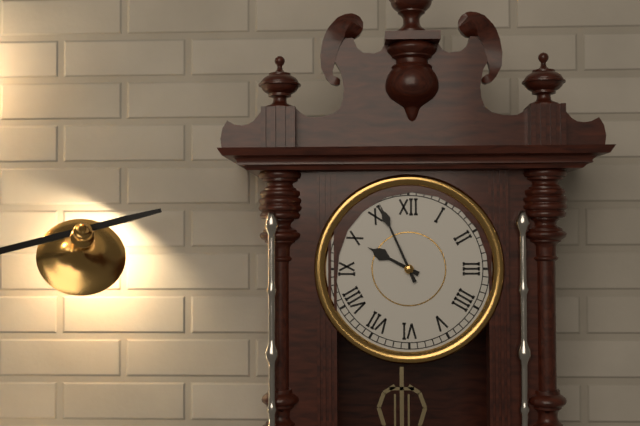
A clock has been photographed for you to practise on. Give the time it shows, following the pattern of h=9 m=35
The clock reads h=9 m=56
